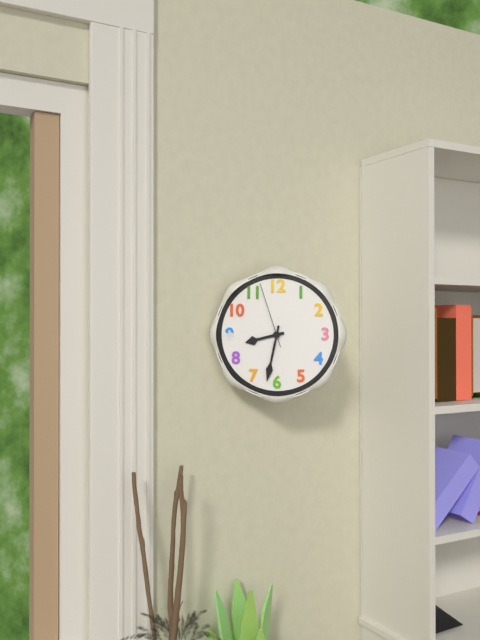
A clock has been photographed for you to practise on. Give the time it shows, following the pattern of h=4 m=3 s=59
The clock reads h=8 m=32 s=57
